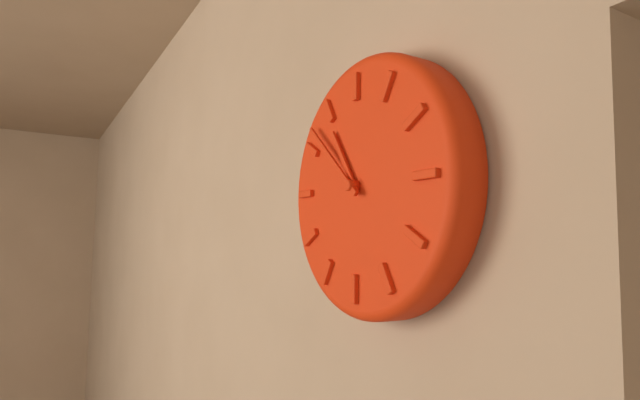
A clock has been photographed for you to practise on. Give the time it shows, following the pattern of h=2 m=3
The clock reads h=10 m=52
